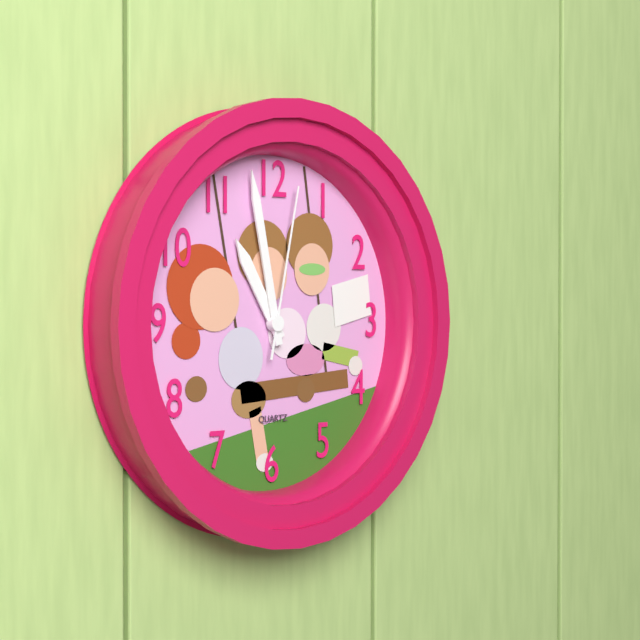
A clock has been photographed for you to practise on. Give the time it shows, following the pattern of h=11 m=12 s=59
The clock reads h=10 m=58 s=2
